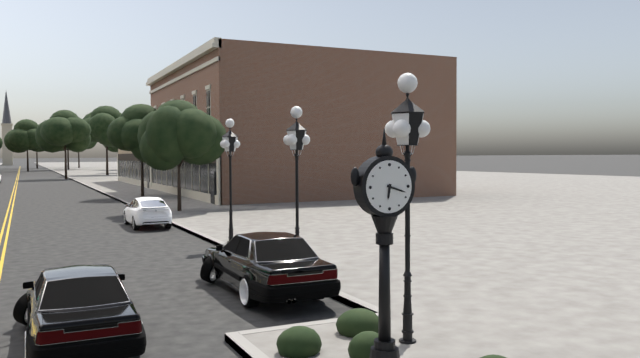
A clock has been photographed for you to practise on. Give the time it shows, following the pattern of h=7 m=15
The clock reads h=6 m=18
